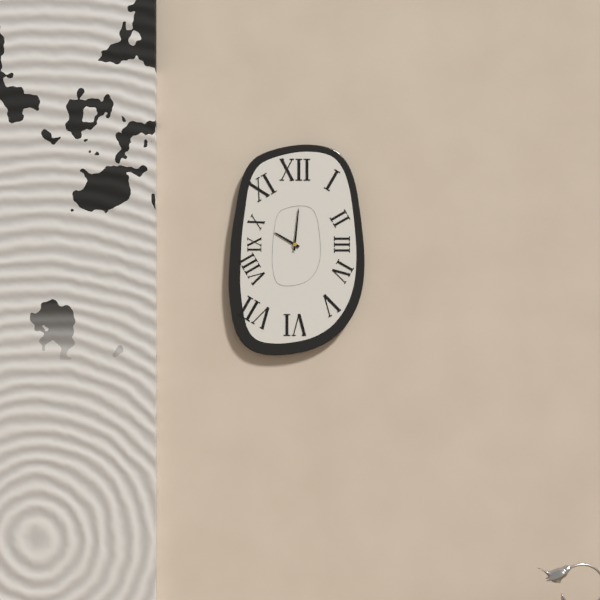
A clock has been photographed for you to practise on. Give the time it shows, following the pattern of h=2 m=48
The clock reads h=10 m=1
